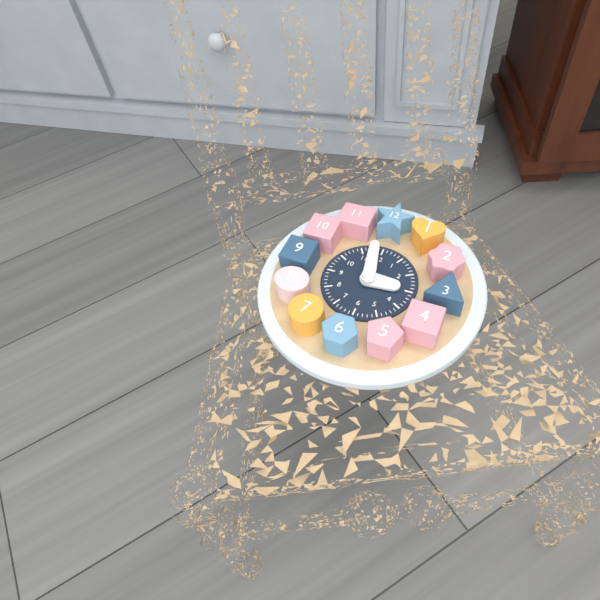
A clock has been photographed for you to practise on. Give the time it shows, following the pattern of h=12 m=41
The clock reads h=2 m=58
